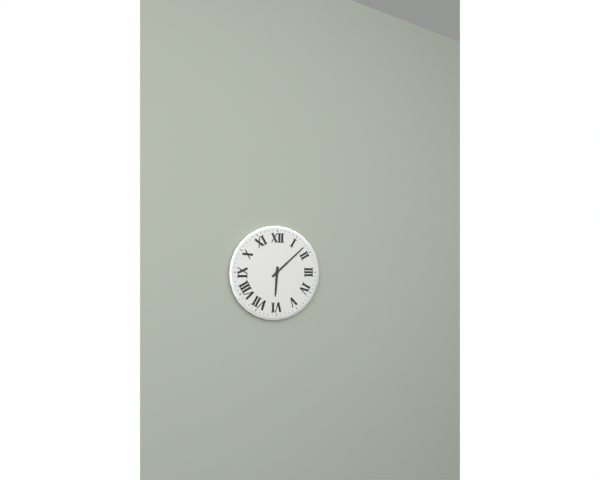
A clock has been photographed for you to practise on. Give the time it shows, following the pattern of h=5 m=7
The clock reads h=6 m=8
